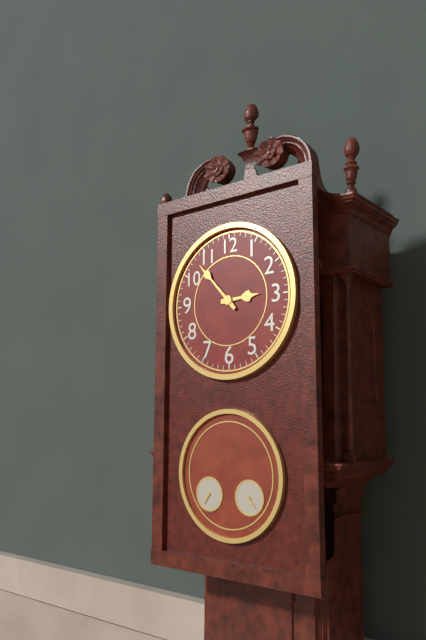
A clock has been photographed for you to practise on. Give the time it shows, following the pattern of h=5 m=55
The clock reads h=2 m=53
